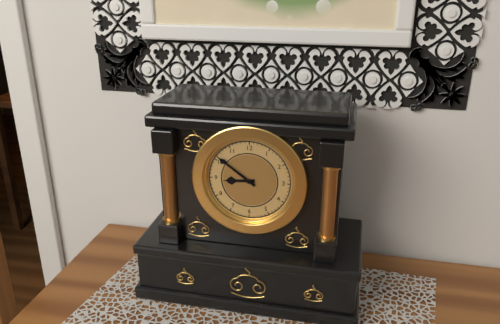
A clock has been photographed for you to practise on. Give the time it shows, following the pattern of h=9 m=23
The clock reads h=8 m=51
